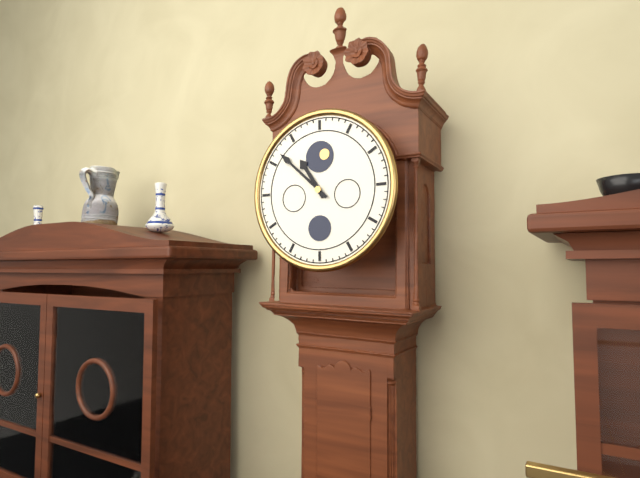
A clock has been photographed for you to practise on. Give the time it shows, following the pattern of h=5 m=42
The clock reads h=10 m=52
